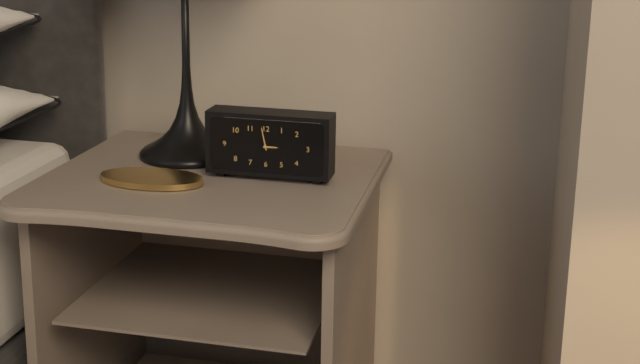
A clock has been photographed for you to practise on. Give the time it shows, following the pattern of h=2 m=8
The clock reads h=2 m=58
